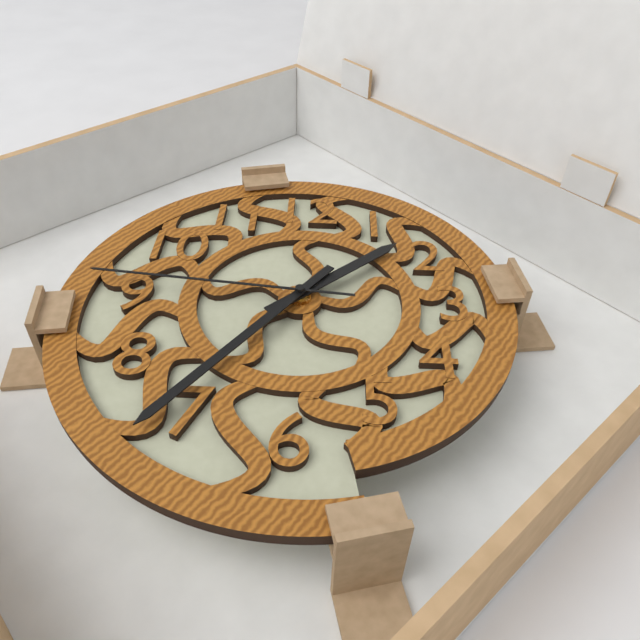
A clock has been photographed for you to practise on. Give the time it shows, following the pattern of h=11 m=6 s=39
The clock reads h=1 m=36 s=46
